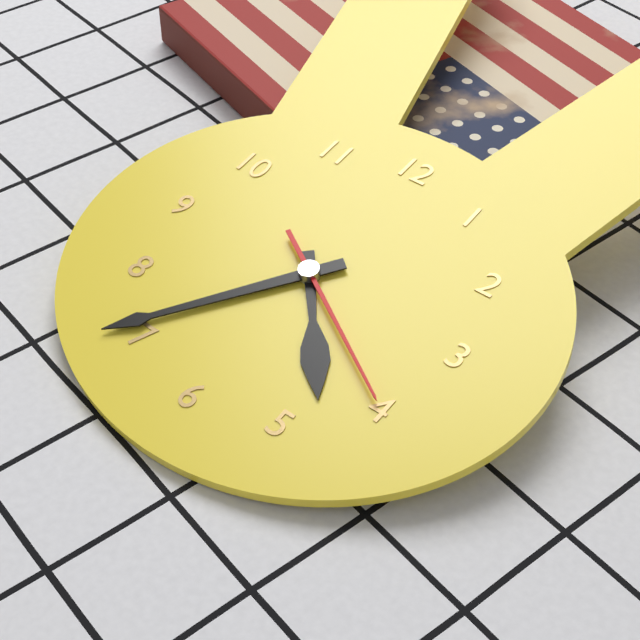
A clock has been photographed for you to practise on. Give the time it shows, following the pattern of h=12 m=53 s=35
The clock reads h=4 m=36 s=20
